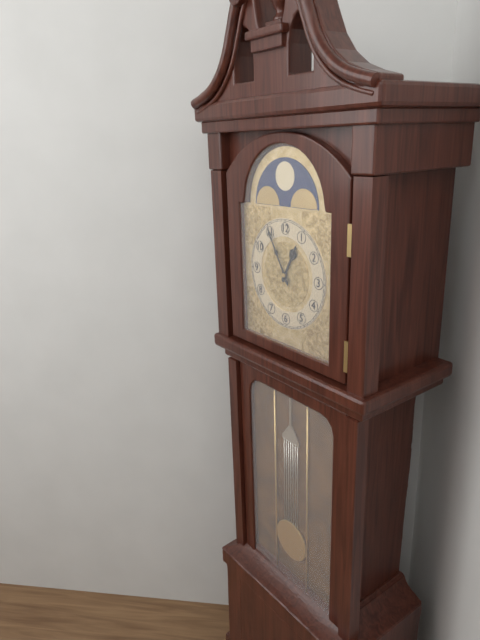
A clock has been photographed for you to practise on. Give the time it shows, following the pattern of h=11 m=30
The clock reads h=12 m=55
